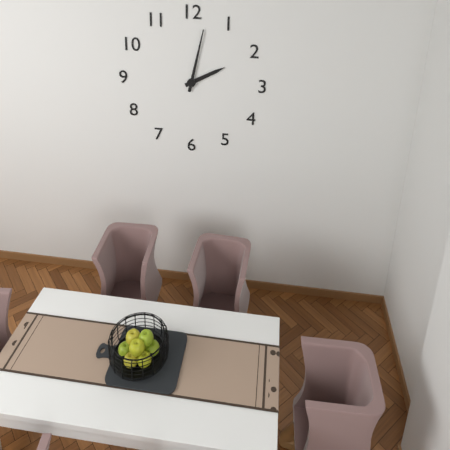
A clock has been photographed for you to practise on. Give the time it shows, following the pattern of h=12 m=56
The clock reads h=2 m=2
